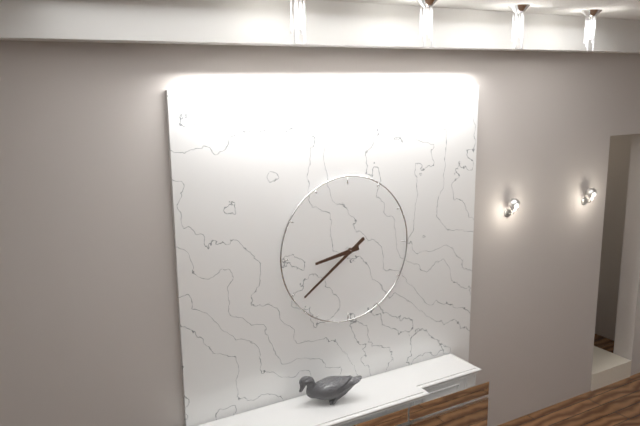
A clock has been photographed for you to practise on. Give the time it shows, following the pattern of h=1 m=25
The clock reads h=8 m=39
